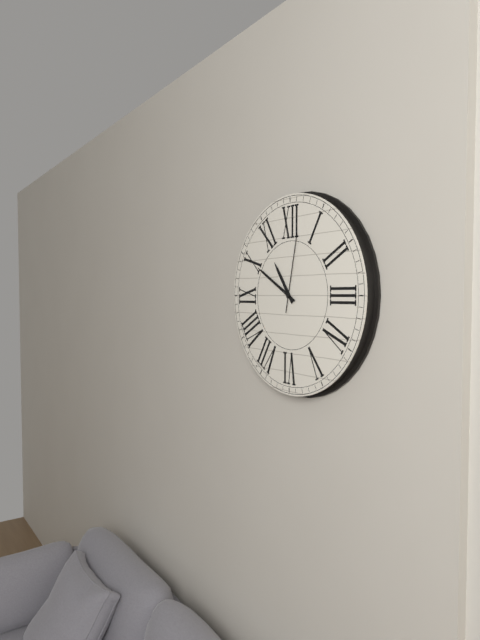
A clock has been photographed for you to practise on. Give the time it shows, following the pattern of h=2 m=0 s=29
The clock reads h=10 m=50 s=2
